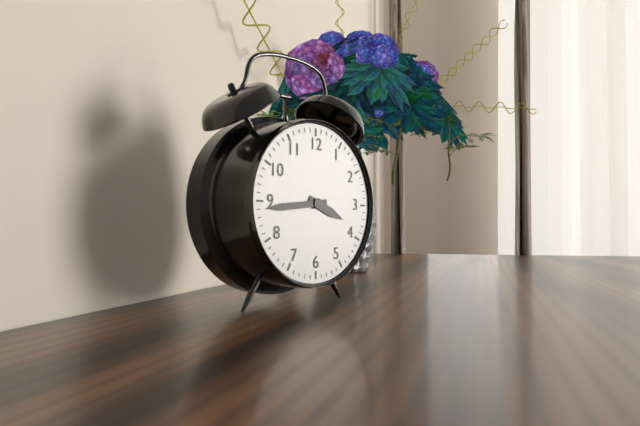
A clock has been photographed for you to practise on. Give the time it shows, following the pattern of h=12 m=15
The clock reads h=3 m=44
